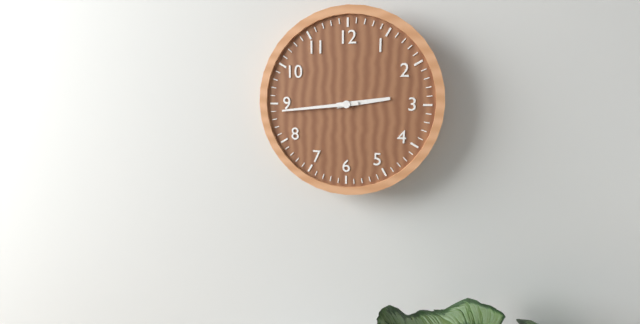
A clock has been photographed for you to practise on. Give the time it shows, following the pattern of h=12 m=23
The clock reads h=2 m=44
